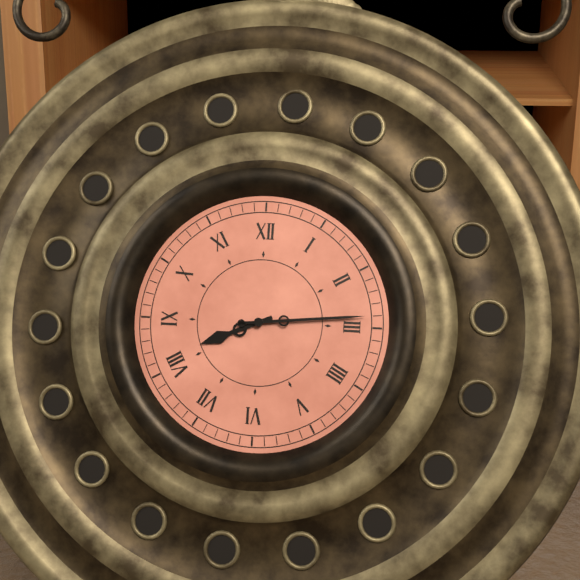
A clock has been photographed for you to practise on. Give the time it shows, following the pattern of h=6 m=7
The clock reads h=8 m=14
